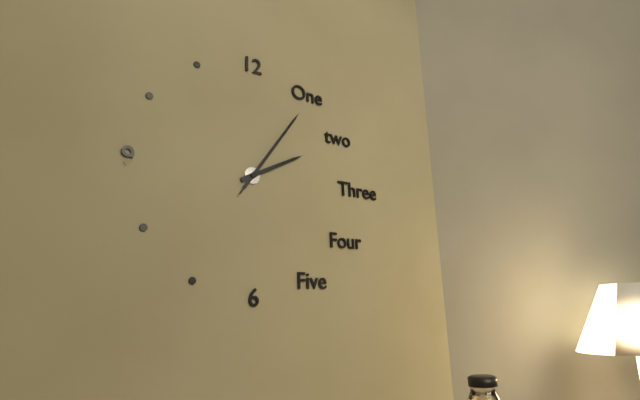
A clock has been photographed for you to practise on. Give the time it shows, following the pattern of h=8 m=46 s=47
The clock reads h=2 m=6 s=6
